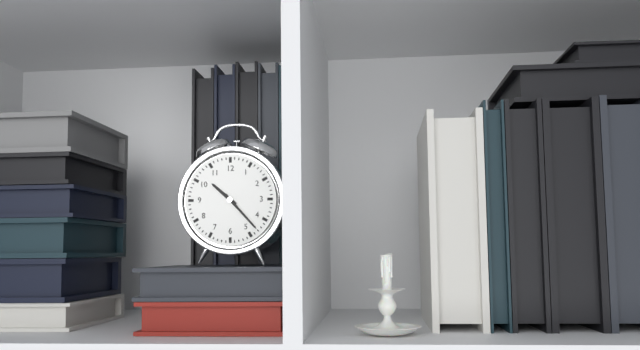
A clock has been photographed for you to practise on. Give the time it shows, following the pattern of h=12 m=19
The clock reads h=10 m=23
